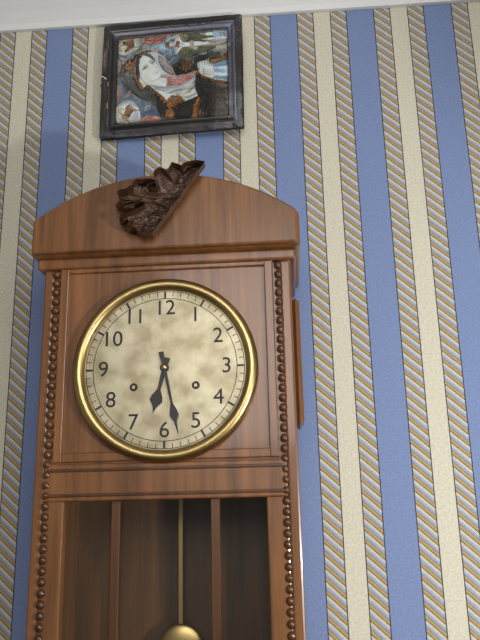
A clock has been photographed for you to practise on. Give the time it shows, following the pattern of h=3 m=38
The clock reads h=6 m=28
